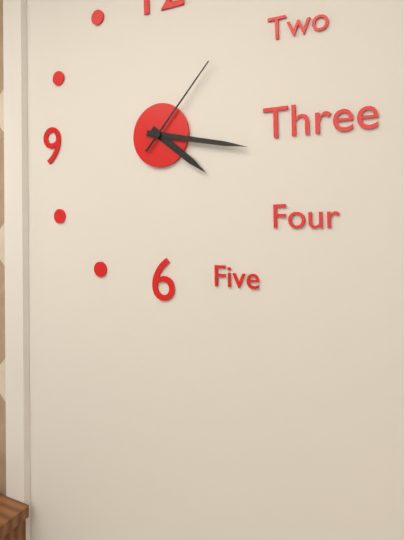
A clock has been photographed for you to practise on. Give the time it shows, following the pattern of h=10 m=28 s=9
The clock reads h=4 m=17 s=7
